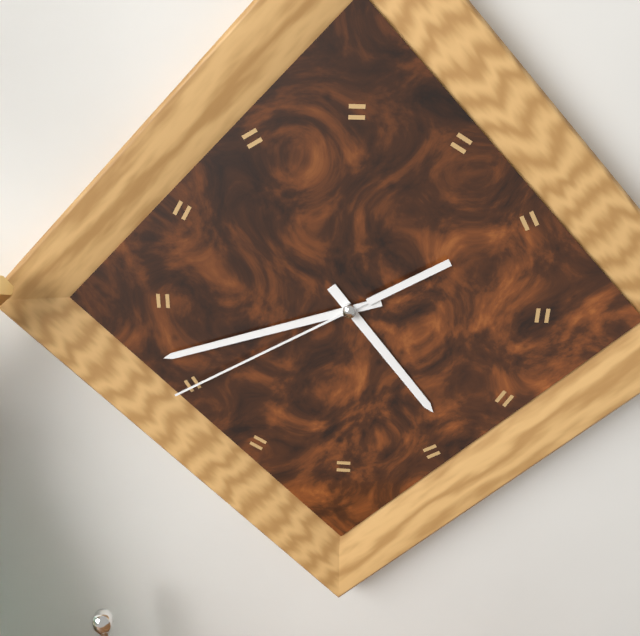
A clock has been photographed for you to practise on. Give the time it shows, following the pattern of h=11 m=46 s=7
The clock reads h=4 m=42 s=40
